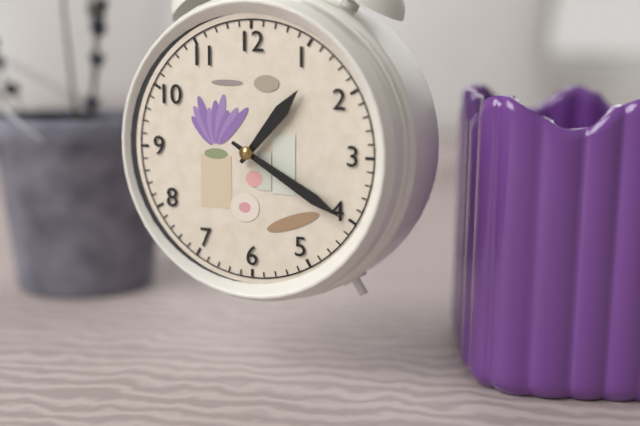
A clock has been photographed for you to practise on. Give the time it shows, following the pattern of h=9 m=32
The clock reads h=1 m=20
